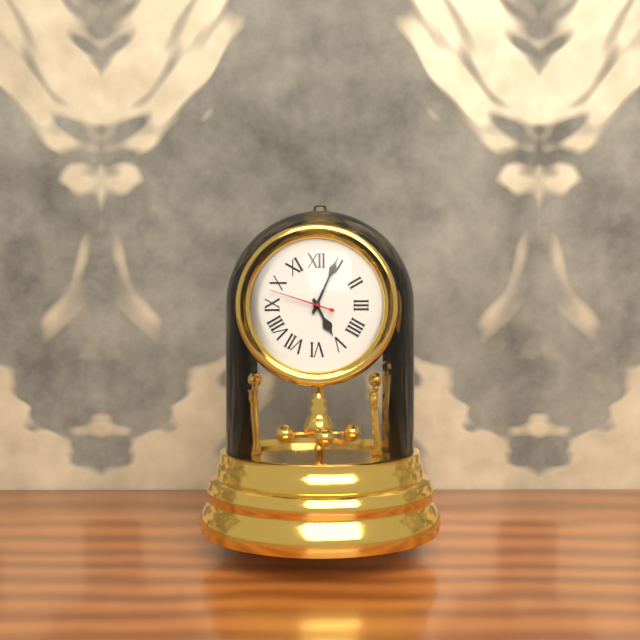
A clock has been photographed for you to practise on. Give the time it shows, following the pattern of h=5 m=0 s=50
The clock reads h=5 m=4 s=48
